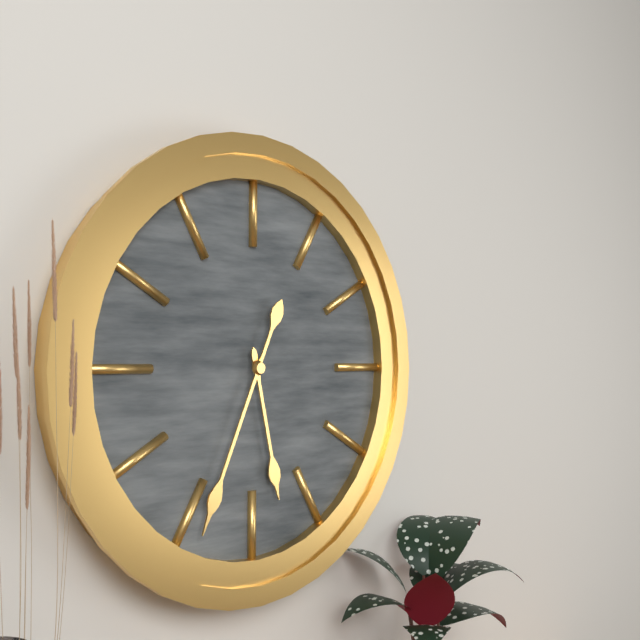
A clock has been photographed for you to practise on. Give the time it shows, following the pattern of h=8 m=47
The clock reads h=5 m=34
